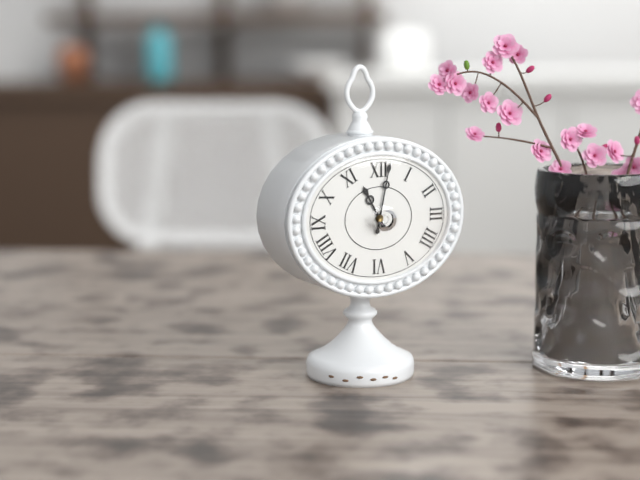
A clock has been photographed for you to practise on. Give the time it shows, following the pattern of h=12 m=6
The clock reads h=11 m=2
